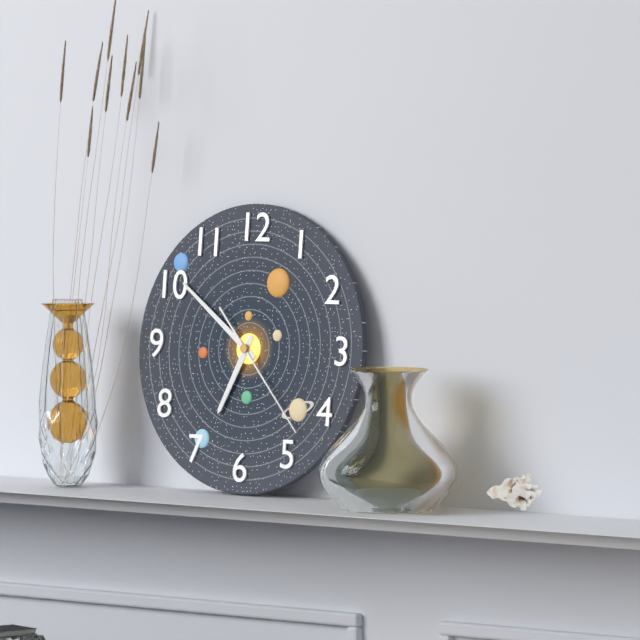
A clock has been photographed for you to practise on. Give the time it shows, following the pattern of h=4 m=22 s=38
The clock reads h=6 m=51 s=23
